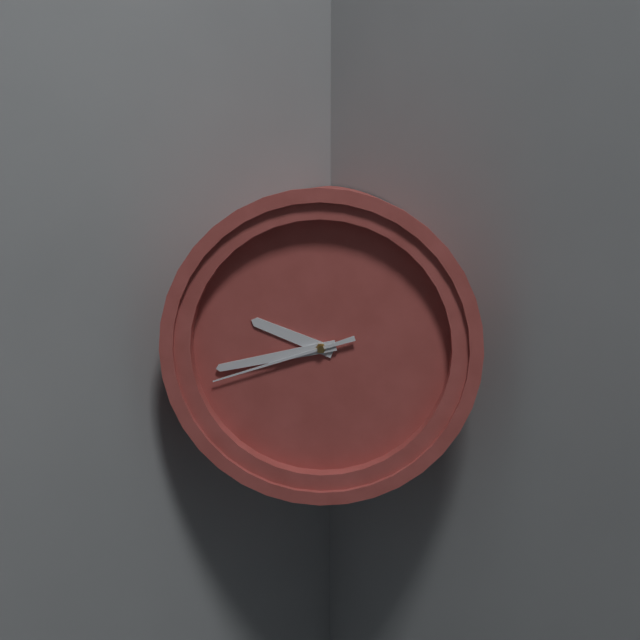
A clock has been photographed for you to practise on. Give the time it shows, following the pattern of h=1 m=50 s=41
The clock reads h=9 m=43 s=42
